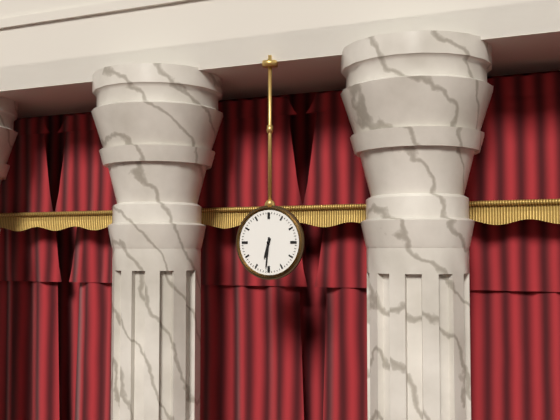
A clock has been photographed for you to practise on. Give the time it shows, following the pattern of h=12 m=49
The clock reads h=6 m=31
